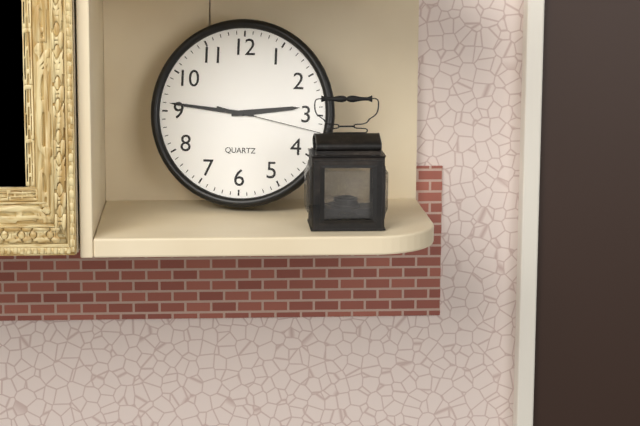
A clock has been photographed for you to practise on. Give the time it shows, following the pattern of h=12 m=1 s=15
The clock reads h=2 m=46 s=17
